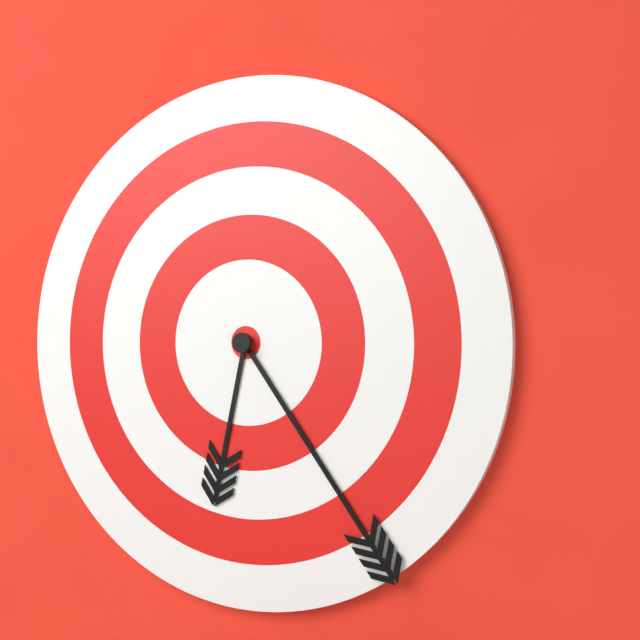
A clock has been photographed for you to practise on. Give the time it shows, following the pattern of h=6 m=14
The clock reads h=6 m=24
